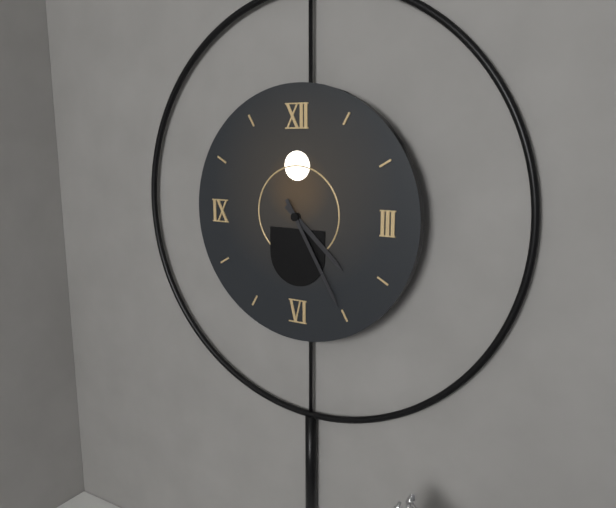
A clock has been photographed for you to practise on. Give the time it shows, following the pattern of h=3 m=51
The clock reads h=4 m=25
